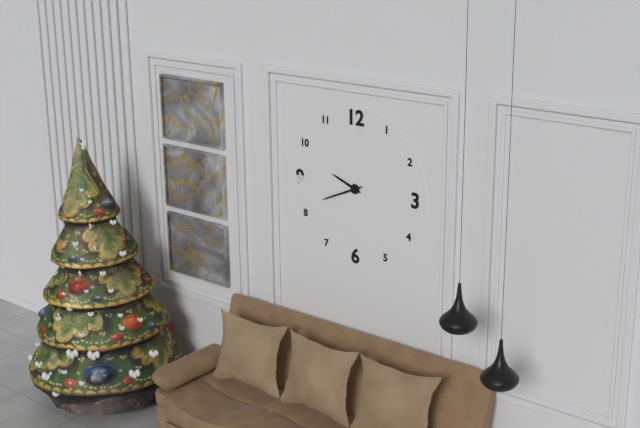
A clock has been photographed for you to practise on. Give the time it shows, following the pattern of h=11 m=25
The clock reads h=9 m=41
